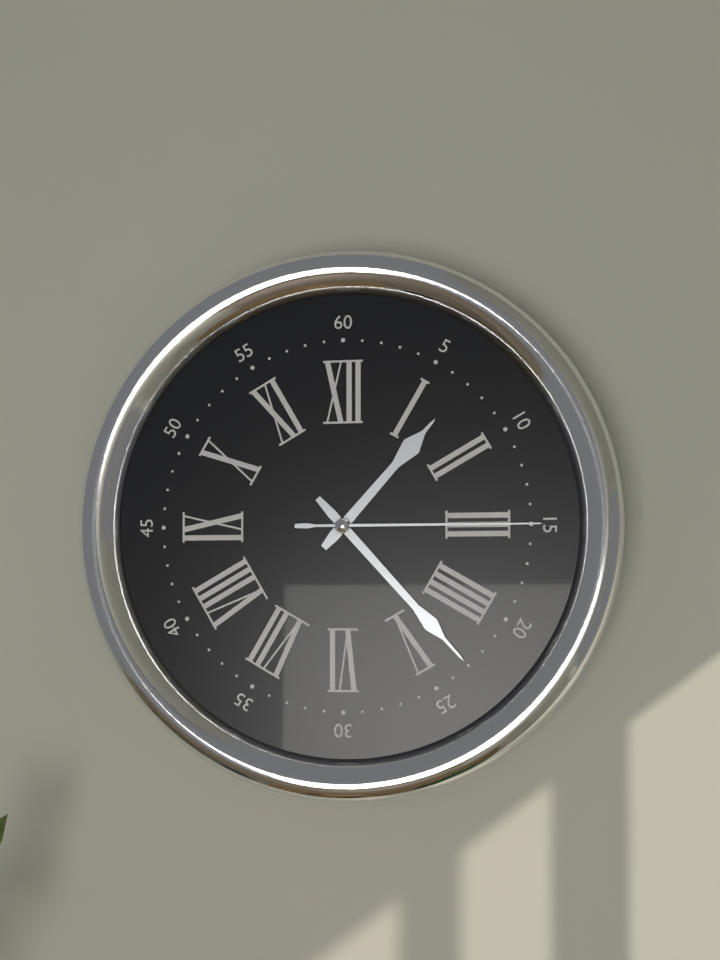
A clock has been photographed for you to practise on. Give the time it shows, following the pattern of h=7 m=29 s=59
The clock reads h=1 m=23 s=15
